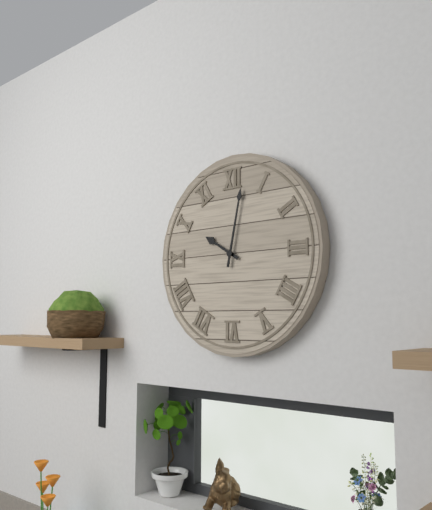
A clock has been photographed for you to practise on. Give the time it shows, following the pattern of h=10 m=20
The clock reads h=10 m=2
